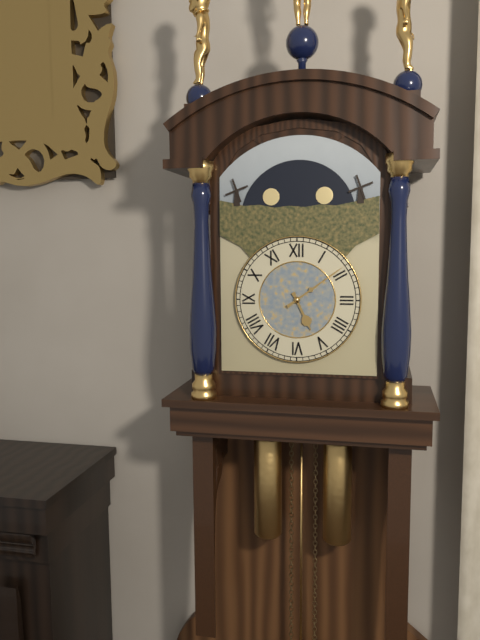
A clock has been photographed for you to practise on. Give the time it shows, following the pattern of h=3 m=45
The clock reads h=5 m=9
